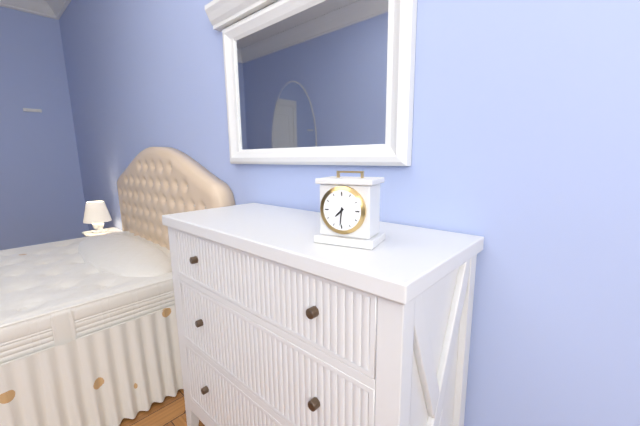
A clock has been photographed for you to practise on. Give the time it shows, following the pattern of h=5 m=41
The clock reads h=7 m=31
